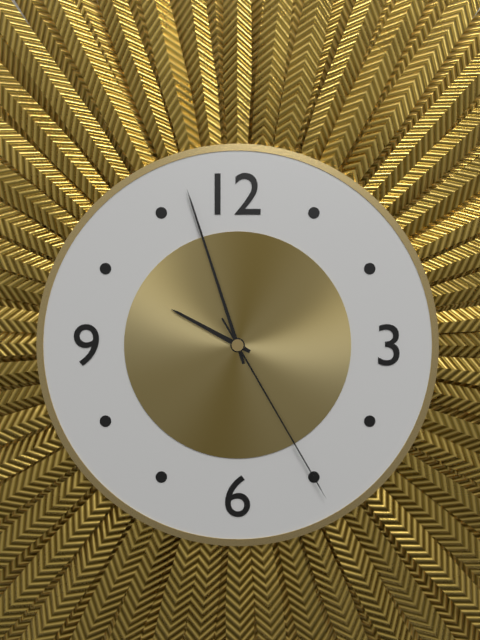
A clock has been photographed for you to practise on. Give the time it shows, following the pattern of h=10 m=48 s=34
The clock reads h=9 m=57 s=25
